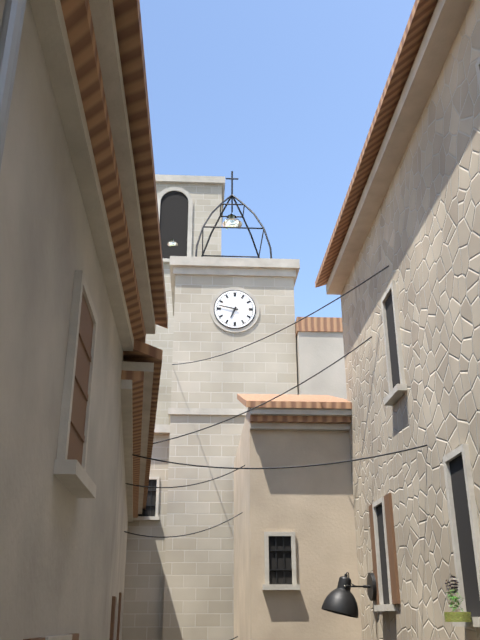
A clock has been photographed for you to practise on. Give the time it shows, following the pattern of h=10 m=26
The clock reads h=6 m=47
